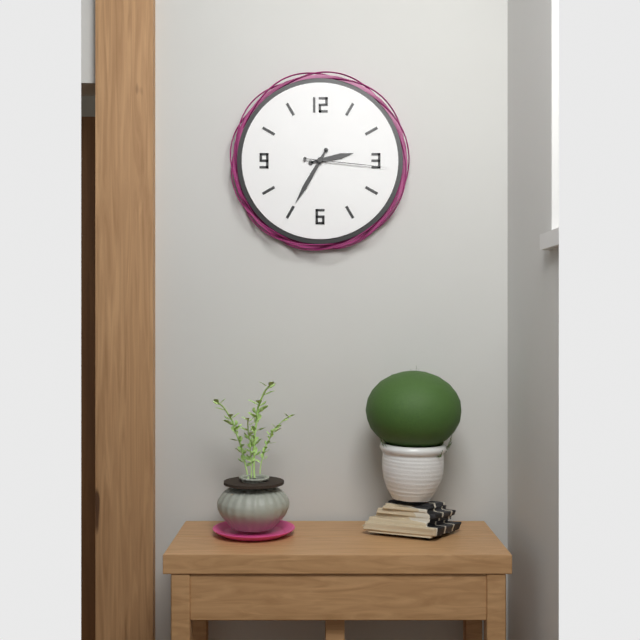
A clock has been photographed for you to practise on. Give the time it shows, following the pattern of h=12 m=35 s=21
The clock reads h=2 m=35 s=16
